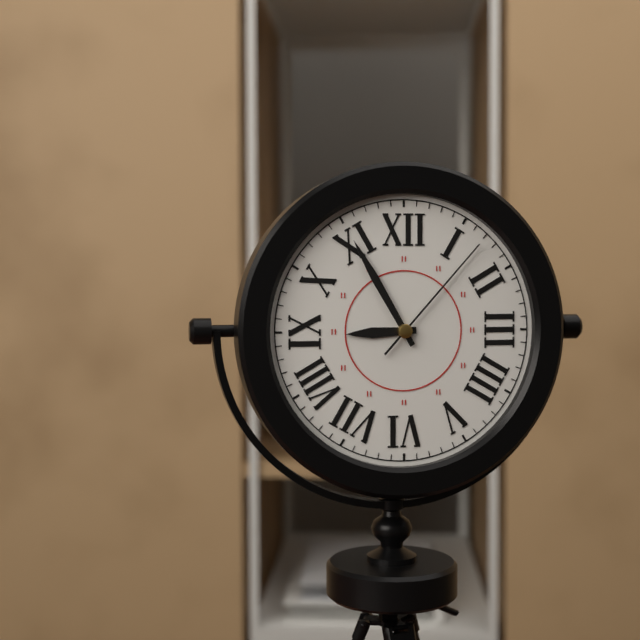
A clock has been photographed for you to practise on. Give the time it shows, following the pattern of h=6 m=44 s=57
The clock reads h=8 m=55 s=7
